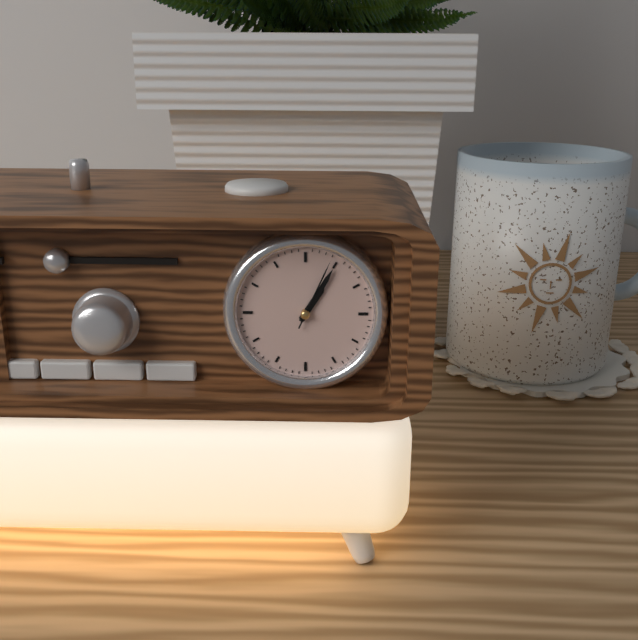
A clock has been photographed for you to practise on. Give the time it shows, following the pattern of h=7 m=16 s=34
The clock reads h=1 m=5 s=4
